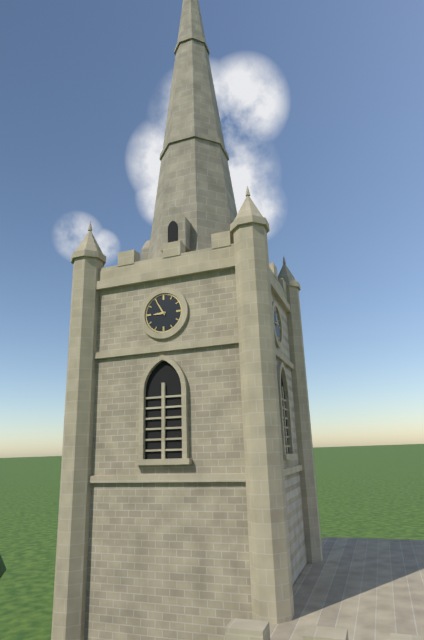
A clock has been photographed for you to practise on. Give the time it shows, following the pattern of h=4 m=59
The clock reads h=8 m=55
